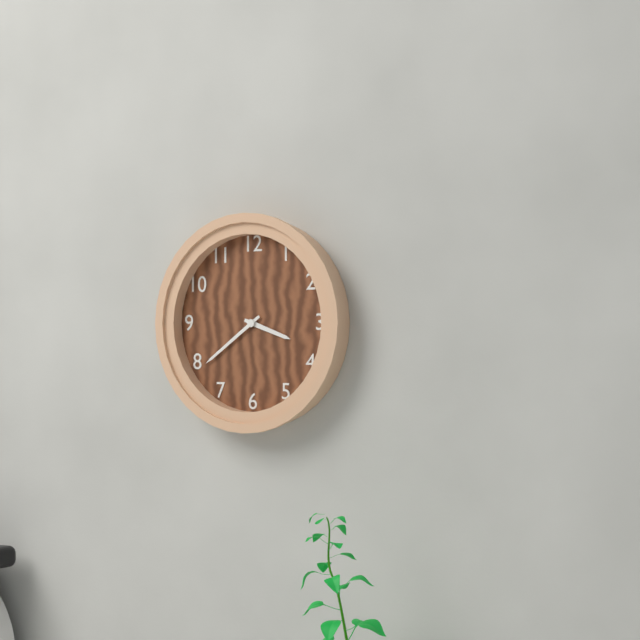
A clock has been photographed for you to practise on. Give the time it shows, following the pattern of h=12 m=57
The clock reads h=3 m=39
